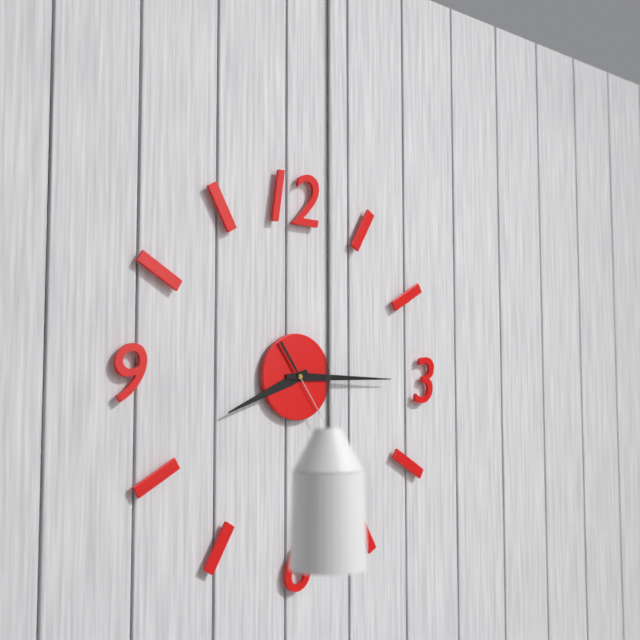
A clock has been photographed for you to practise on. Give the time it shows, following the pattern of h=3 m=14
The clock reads h=8 m=15
